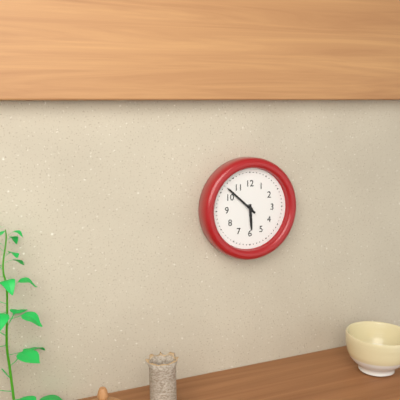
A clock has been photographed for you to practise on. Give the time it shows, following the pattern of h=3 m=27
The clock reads h=5 m=52
